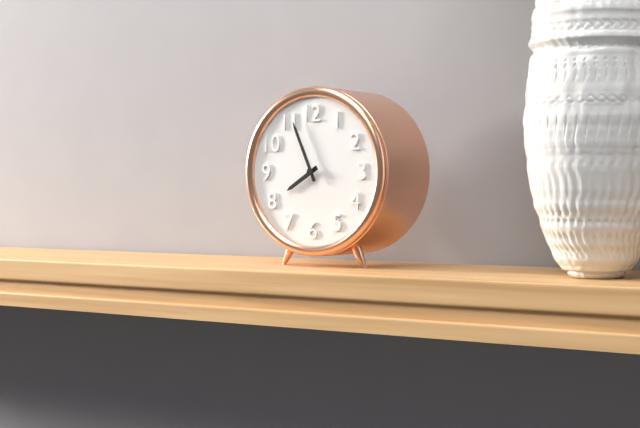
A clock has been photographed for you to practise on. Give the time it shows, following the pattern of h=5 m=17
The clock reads h=7 m=56
